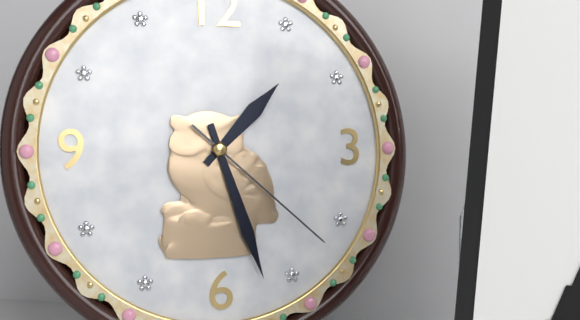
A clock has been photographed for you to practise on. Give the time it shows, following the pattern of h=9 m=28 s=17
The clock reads h=1 m=27 s=22
